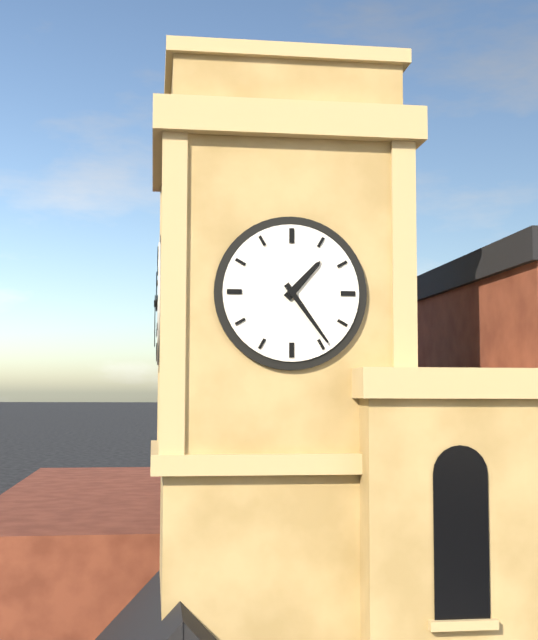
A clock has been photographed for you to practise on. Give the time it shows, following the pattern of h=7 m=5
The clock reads h=1 m=24
